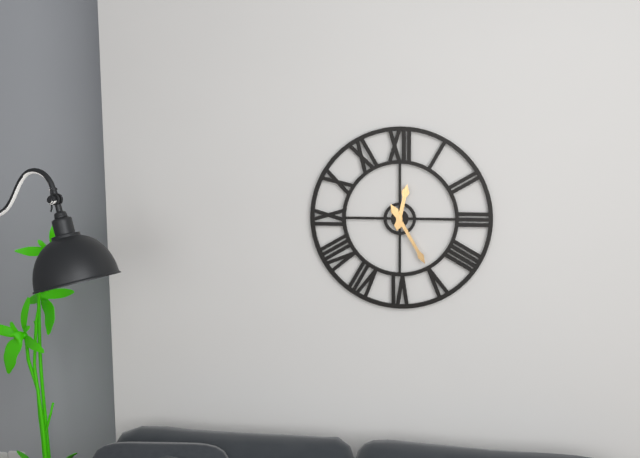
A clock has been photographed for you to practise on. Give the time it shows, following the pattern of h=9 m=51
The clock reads h=12 m=25
